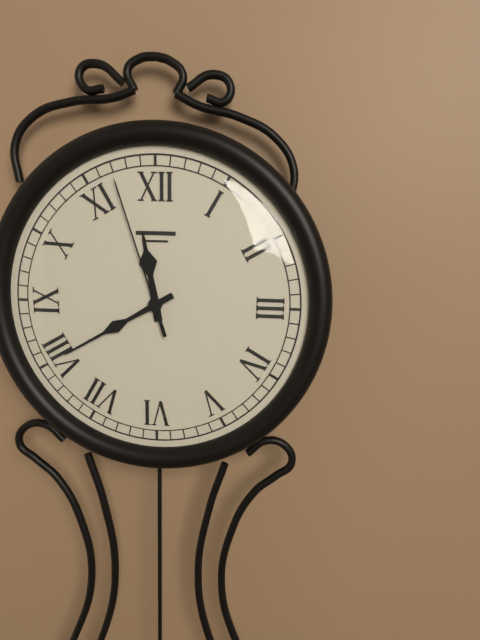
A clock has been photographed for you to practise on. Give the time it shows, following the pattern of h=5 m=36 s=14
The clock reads h=11 m=40 s=57
